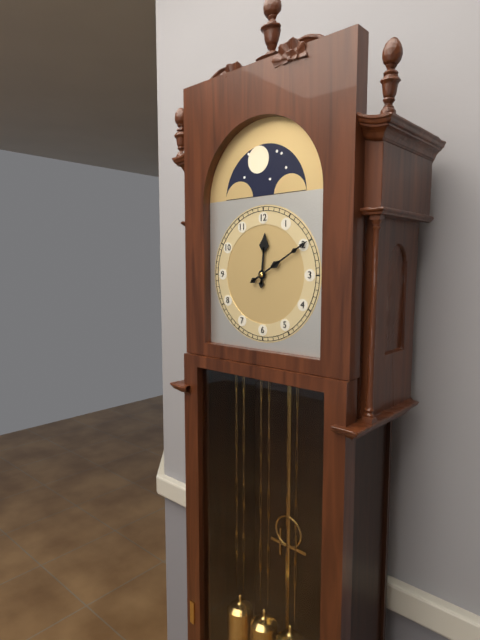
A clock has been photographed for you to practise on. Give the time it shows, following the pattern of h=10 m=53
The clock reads h=12 m=10
